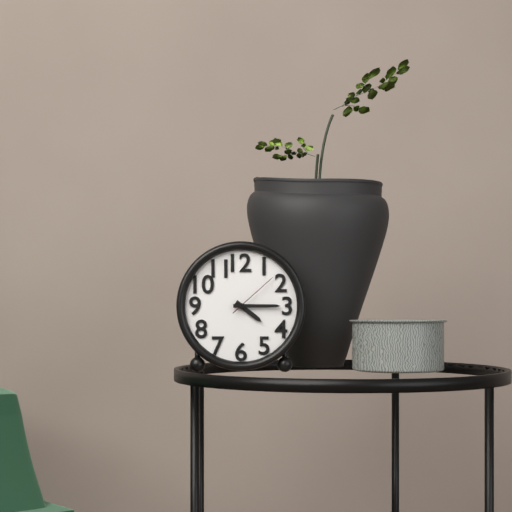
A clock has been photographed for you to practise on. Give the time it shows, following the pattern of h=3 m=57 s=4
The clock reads h=4 m=15 s=8
